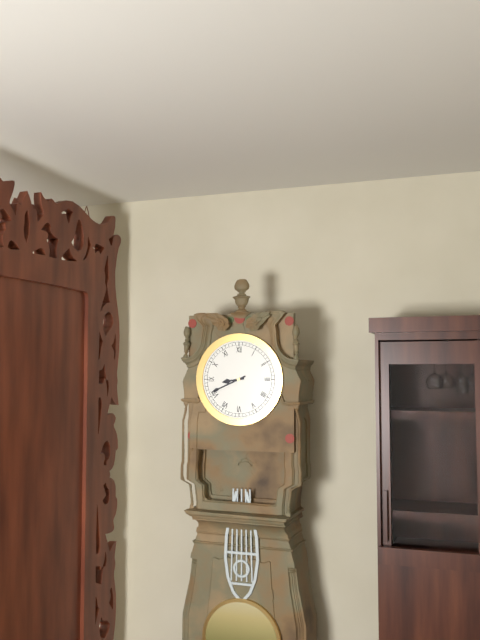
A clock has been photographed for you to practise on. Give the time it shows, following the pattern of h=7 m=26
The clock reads h=8 m=41
